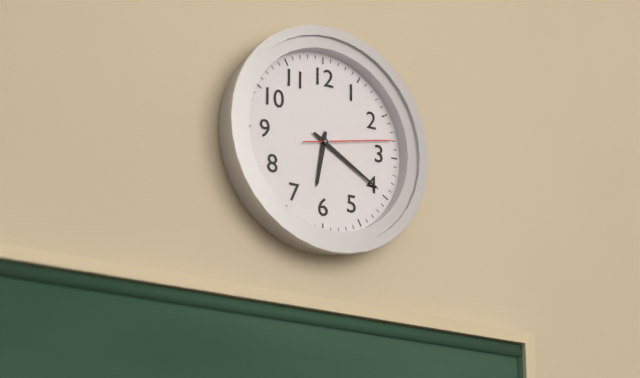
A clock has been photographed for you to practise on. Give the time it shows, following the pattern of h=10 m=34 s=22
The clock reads h=6 m=20 s=13
